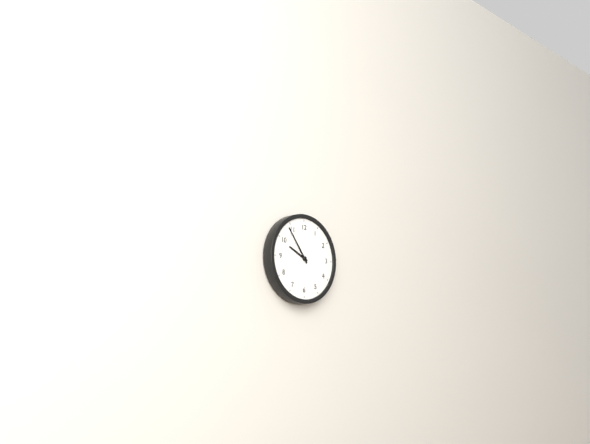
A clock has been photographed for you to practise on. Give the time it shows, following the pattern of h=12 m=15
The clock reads h=9 m=54
